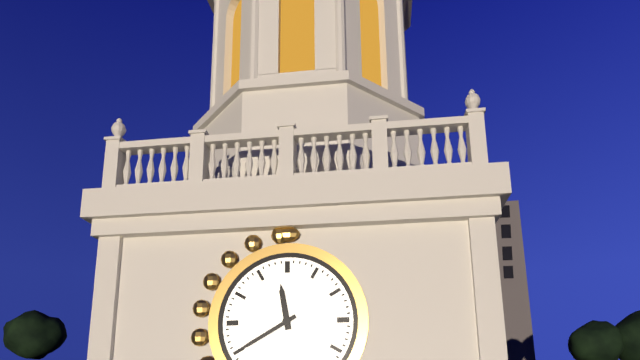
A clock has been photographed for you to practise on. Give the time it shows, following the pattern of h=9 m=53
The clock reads h=11 m=40
